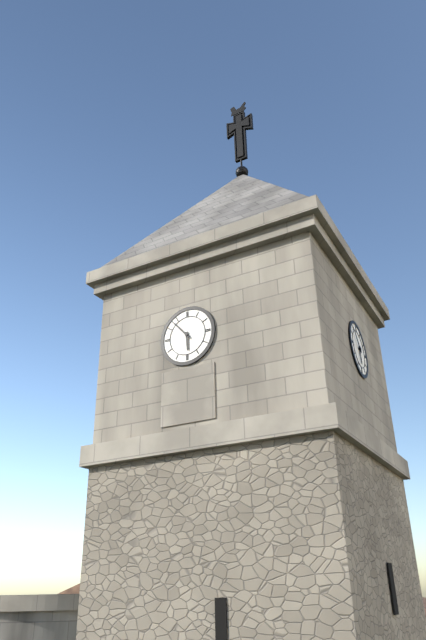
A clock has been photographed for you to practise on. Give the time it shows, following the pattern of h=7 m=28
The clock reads h=5 m=53
